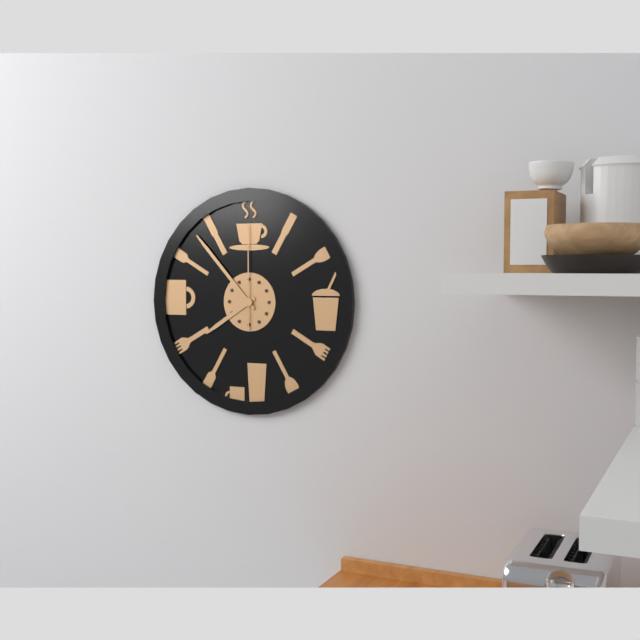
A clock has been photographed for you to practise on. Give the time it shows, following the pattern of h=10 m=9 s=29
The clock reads h=7 m=53 s=0
